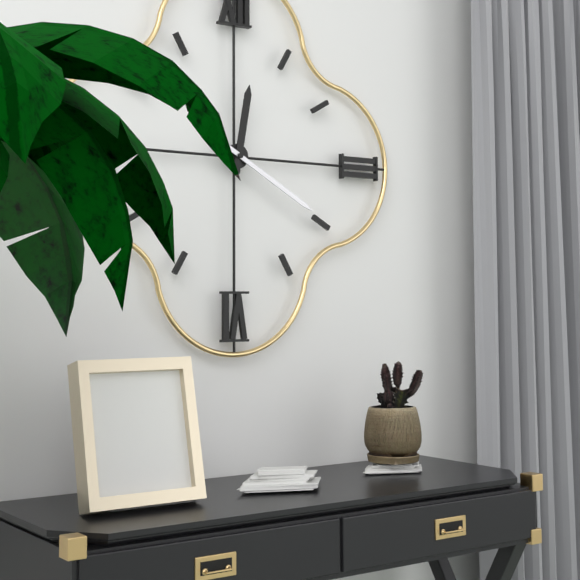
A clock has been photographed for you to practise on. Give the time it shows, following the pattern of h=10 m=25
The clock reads h=12 m=20
